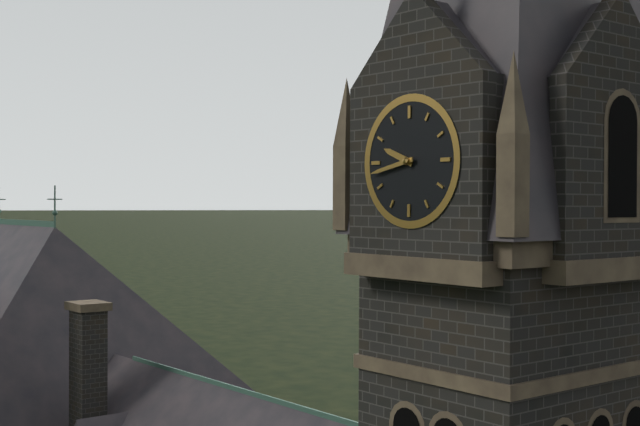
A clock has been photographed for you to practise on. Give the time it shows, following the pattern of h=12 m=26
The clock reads h=9 m=43
